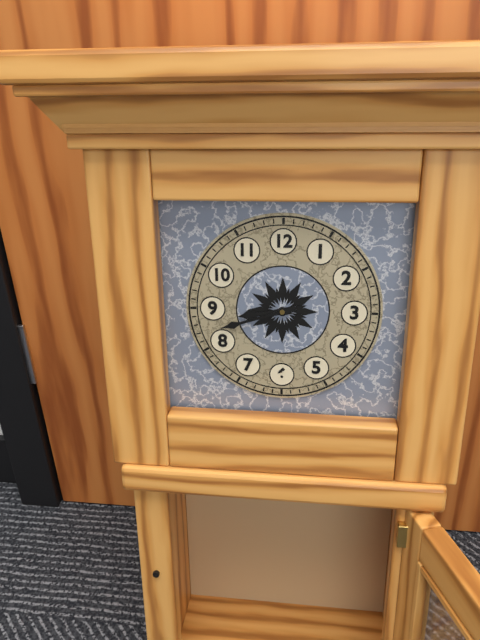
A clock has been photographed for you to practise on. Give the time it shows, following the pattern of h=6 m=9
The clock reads h=8 m=42
